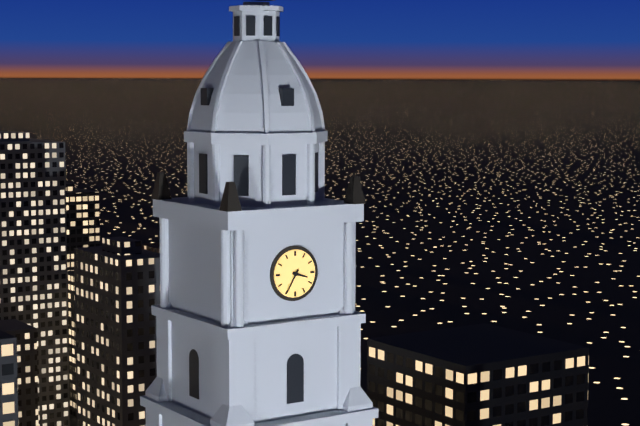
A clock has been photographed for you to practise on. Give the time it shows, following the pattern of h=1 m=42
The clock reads h=3 m=35
